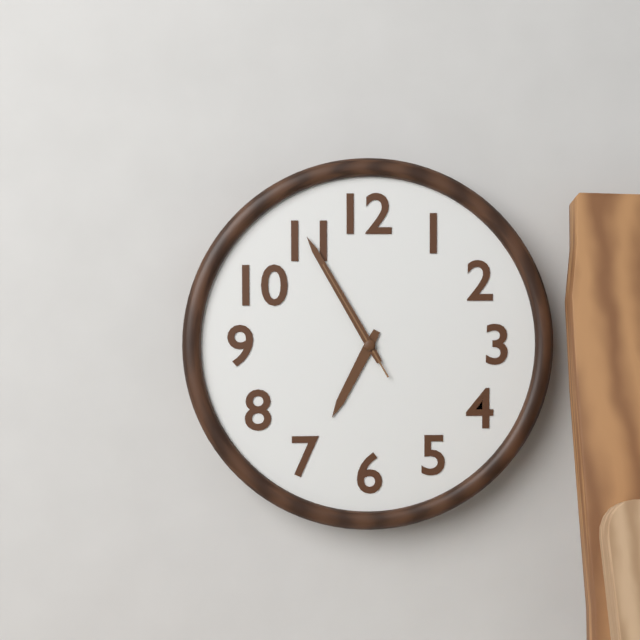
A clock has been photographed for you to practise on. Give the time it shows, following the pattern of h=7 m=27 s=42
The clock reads h=6 m=55 s=55
